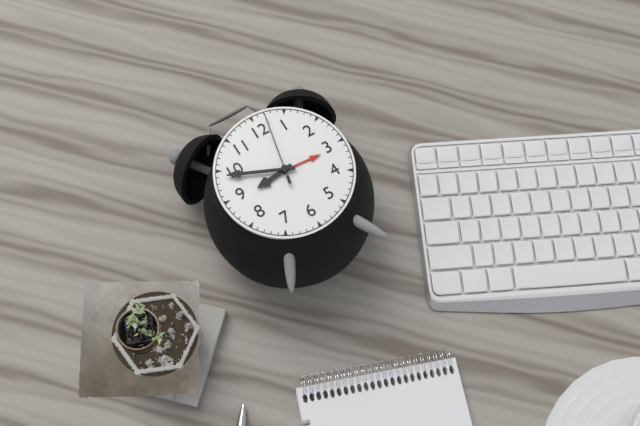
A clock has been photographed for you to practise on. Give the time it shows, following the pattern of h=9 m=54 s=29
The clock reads h=8 m=49 s=2
